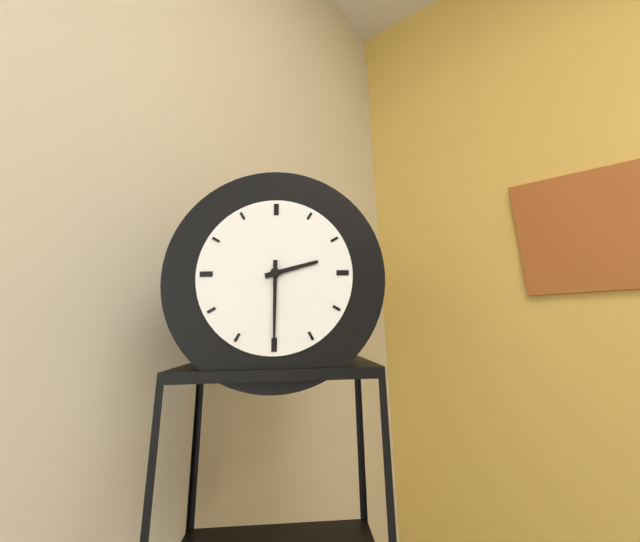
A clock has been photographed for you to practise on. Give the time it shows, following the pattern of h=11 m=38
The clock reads h=2 m=30
